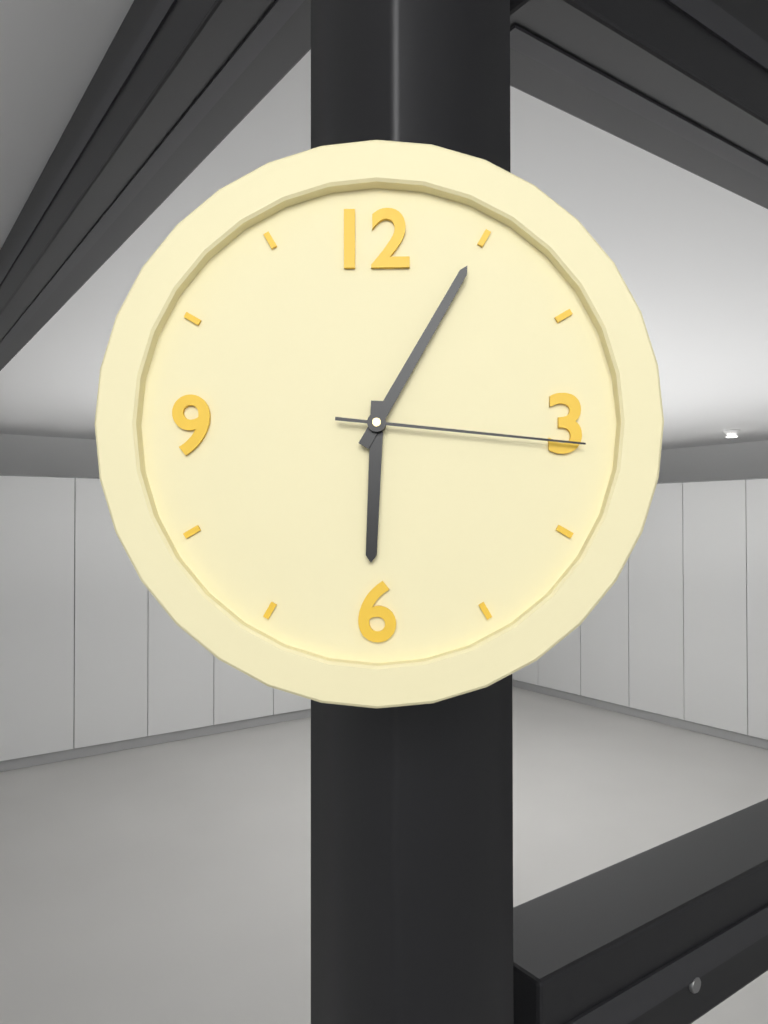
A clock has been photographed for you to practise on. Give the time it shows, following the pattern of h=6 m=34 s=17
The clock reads h=6 m=5 s=16
